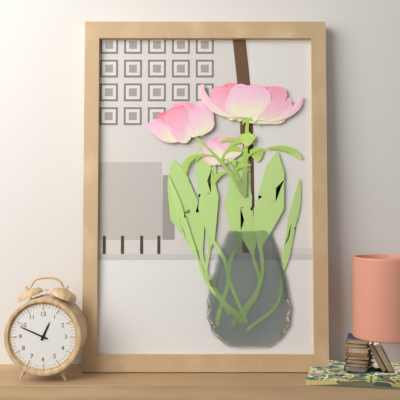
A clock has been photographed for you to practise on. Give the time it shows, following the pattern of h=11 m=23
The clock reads h=12 m=49
